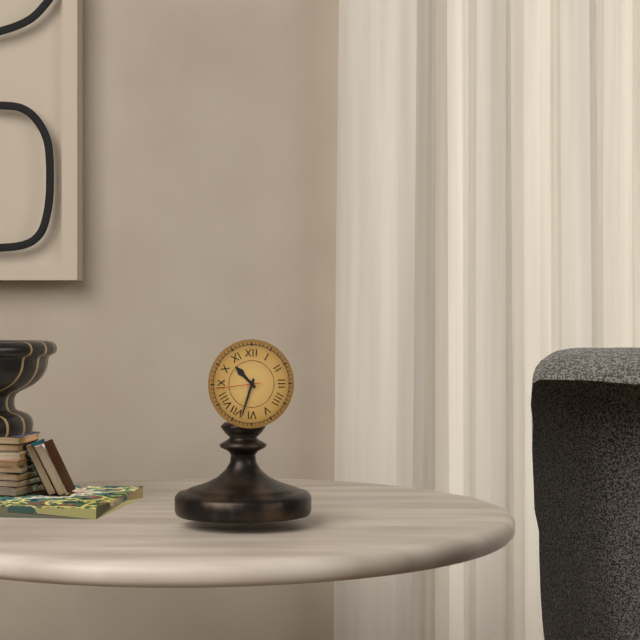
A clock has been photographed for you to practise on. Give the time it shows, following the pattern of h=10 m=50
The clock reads h=10 m=33
